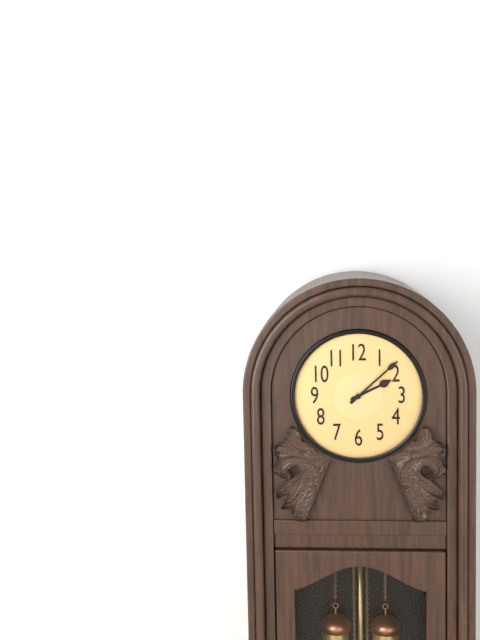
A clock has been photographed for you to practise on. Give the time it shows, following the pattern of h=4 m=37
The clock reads h=2 m=8
